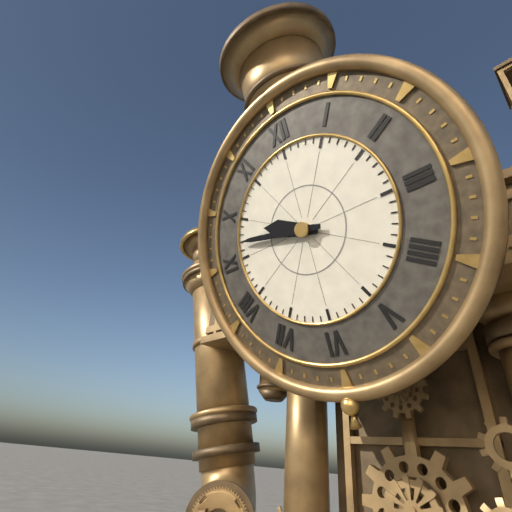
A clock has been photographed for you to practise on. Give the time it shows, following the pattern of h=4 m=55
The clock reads h=9 m=47
